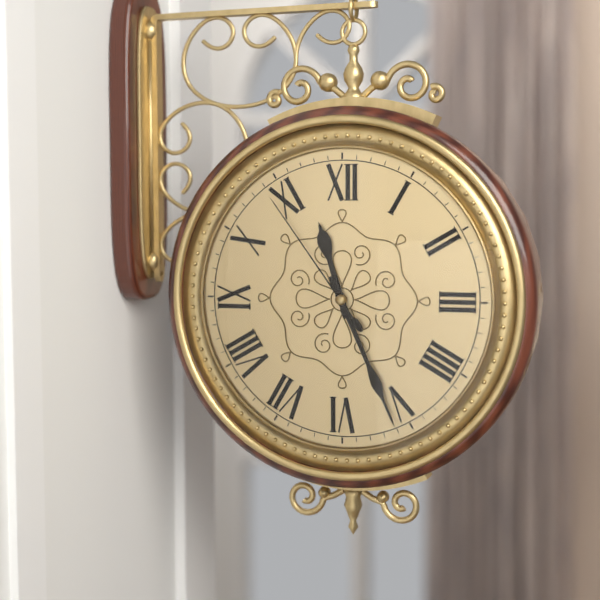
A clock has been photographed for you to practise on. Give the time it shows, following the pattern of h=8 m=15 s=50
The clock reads h=11 m=26 s=54
